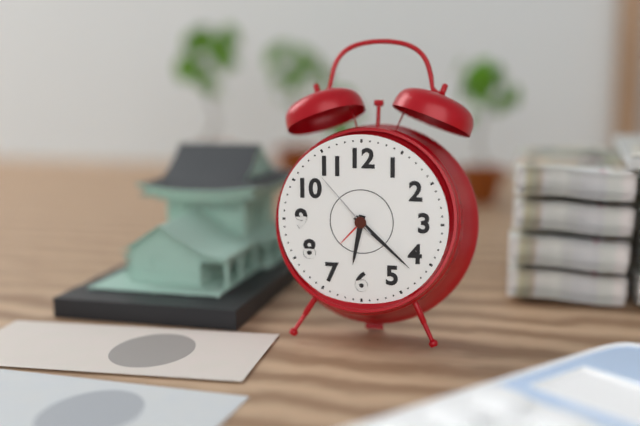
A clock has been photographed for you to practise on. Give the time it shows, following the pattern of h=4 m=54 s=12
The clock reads h=6 m=22 s=53
